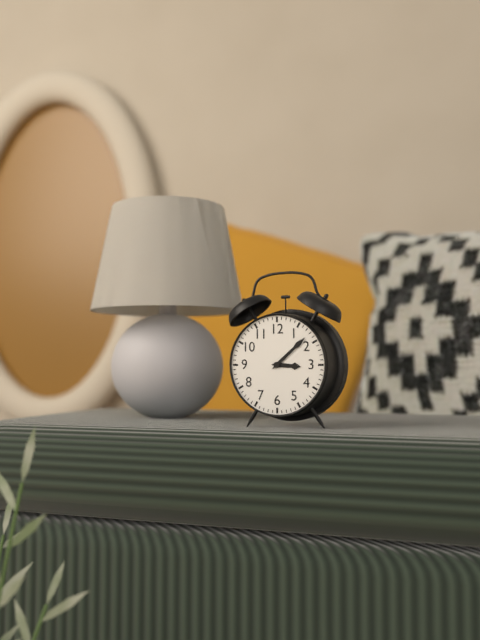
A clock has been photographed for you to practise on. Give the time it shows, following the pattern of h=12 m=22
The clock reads h=3 m=8
